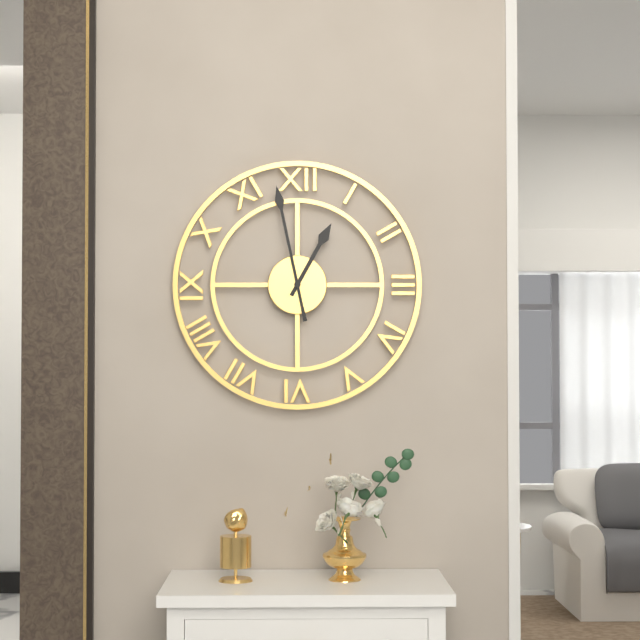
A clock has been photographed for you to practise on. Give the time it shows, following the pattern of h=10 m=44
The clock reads h=12 m=58
